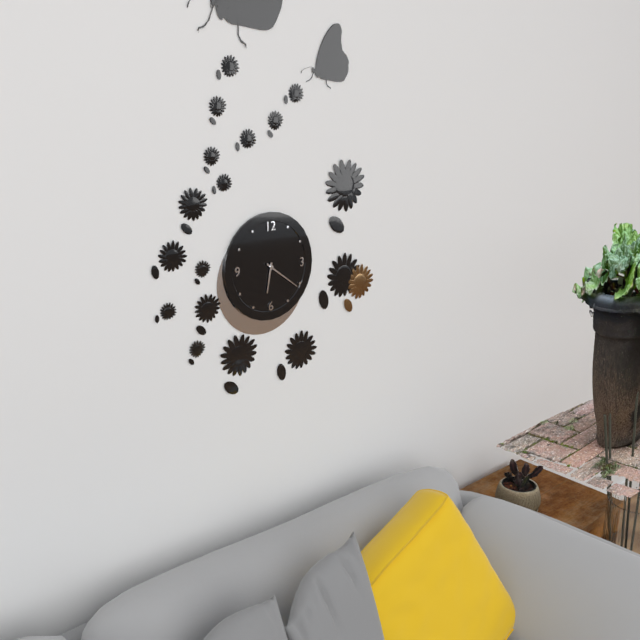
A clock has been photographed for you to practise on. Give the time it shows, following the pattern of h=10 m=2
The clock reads h=6 m=21
